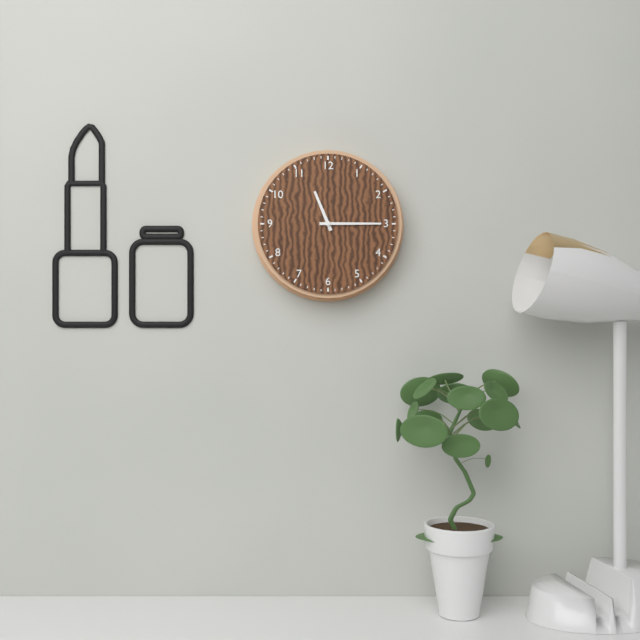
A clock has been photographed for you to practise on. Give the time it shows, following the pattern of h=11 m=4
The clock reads h=11 m=15
